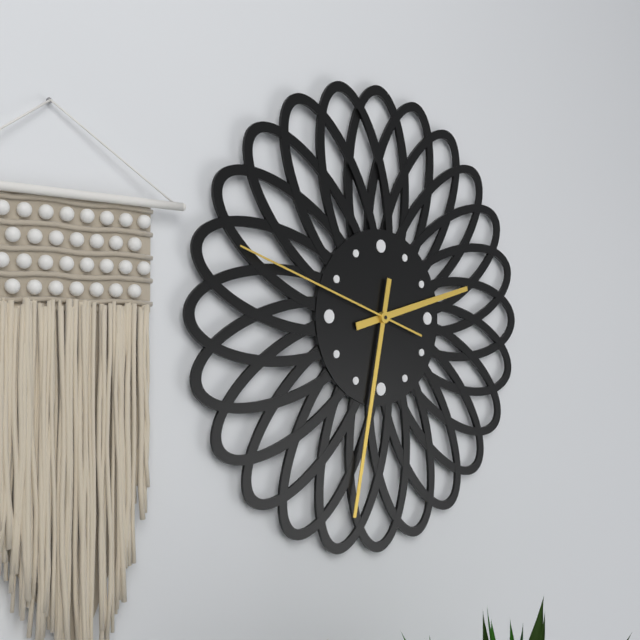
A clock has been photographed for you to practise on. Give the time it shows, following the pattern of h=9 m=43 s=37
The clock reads h=2 m=32 s=48
